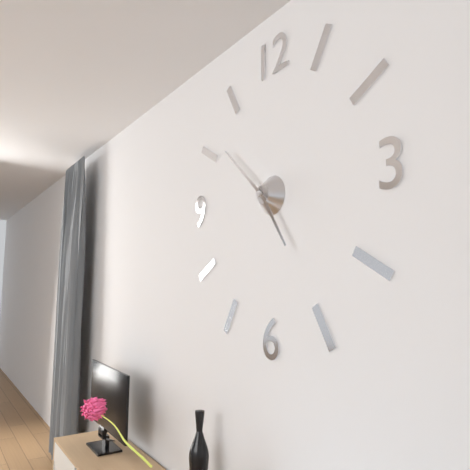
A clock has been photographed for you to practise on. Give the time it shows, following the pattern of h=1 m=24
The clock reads h=4 m=52
